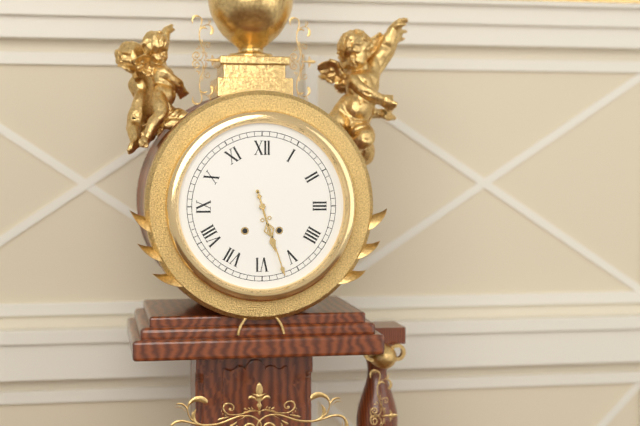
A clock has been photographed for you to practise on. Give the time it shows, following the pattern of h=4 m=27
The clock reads h=5 m=27
